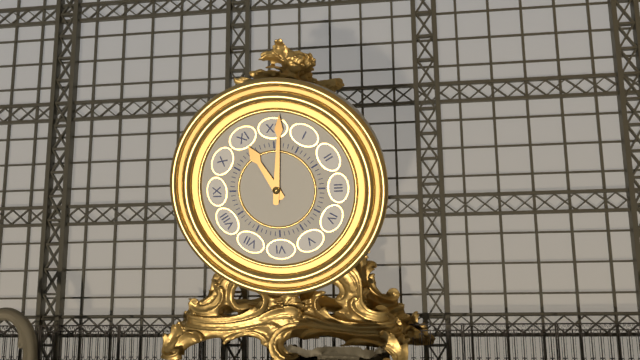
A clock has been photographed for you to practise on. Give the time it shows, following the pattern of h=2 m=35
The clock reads h=11 m=1
